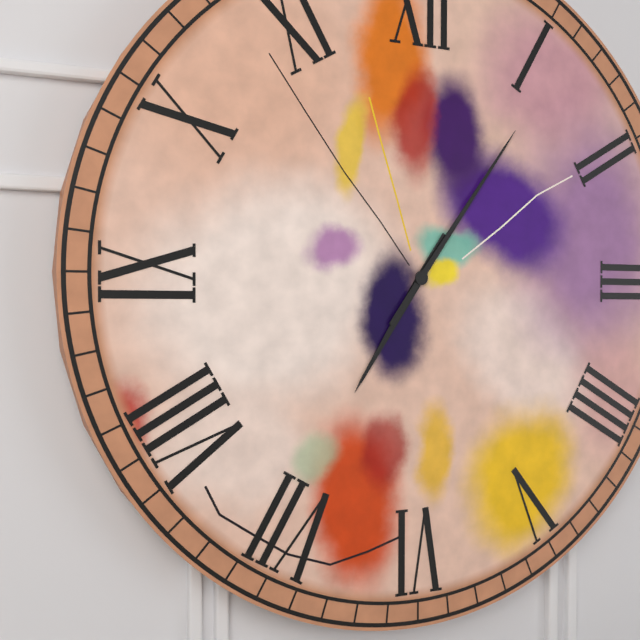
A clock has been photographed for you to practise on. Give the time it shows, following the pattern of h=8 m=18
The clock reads h=7 m=6
